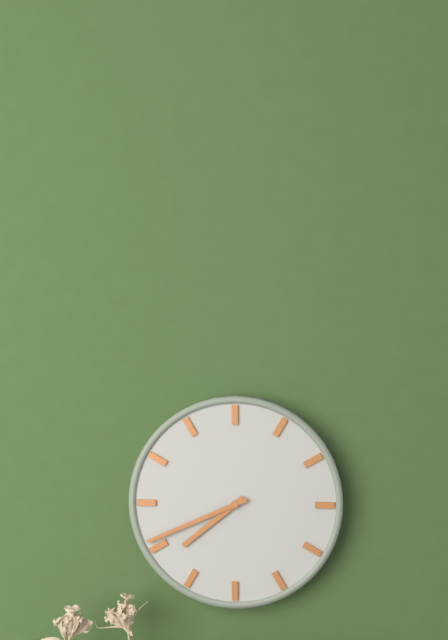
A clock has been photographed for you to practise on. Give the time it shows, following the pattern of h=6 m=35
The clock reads h=7 m=41
